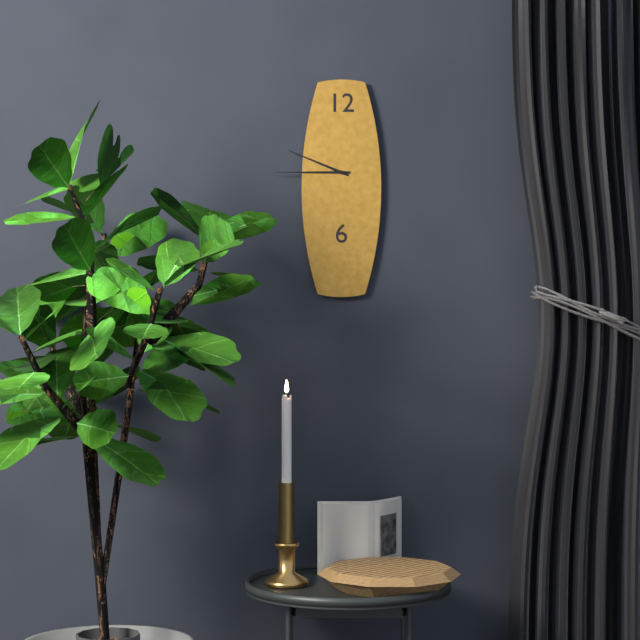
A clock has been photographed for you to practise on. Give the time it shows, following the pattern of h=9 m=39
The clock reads h=9 m=45
